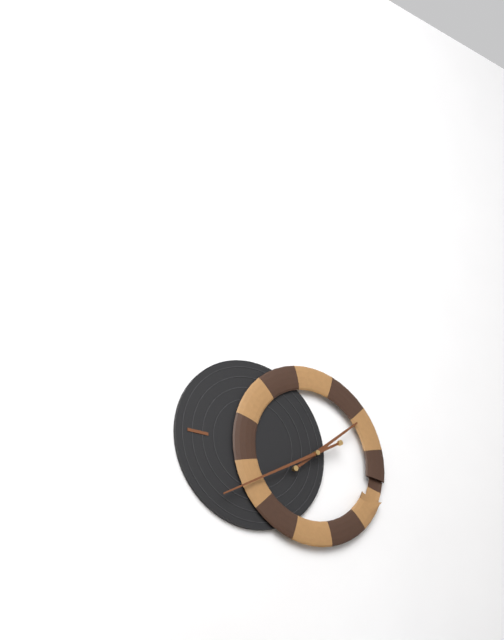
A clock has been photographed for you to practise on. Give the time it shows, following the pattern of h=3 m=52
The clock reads h=1 m=40
